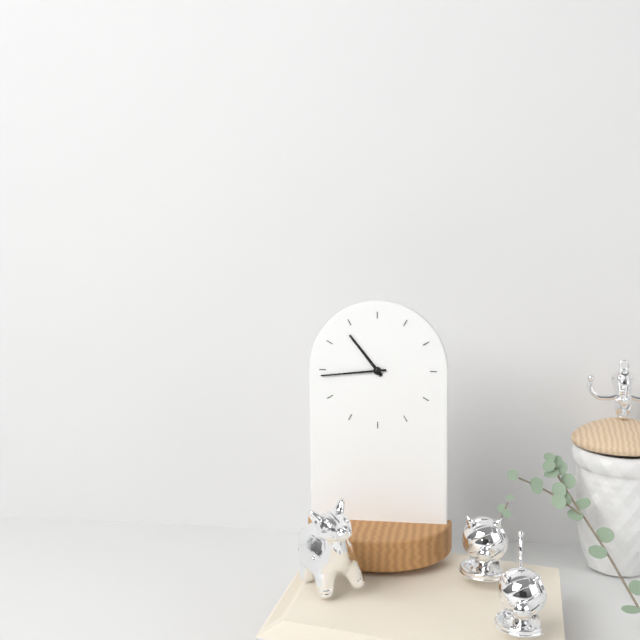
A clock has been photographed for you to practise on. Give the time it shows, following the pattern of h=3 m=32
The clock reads h=10 m=44
